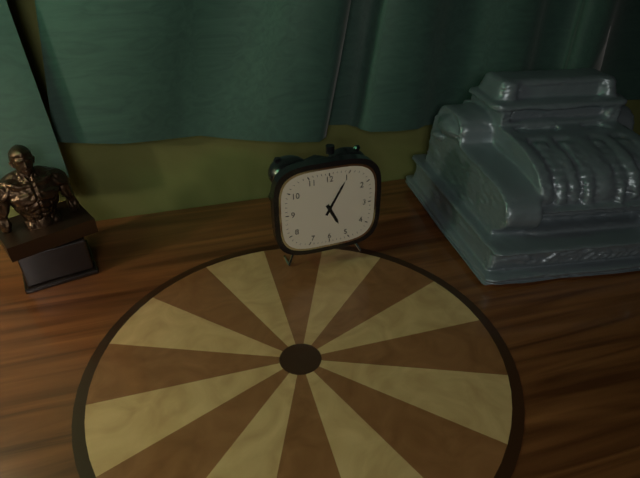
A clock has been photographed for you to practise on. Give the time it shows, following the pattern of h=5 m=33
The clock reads h=5 m=5
